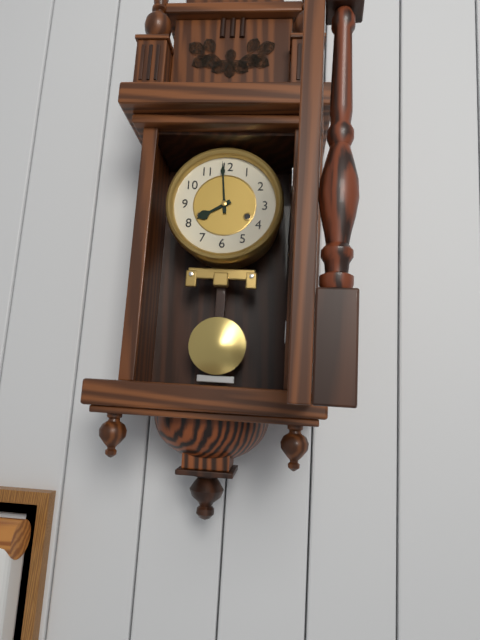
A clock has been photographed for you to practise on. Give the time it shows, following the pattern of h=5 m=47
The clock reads h=7 m=59
